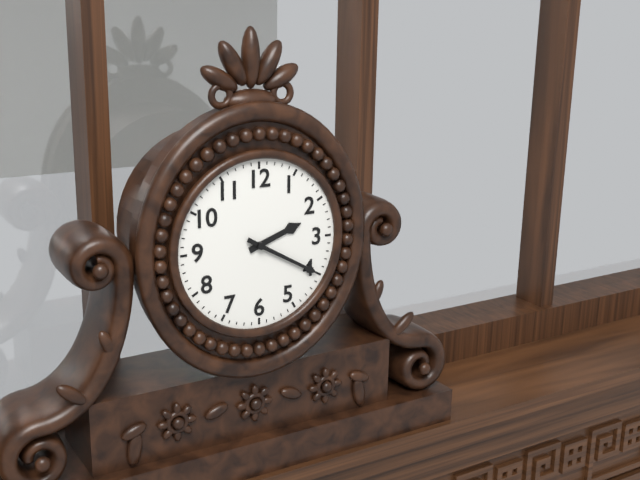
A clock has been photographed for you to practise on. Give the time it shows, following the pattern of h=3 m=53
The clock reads h=2 m=20
